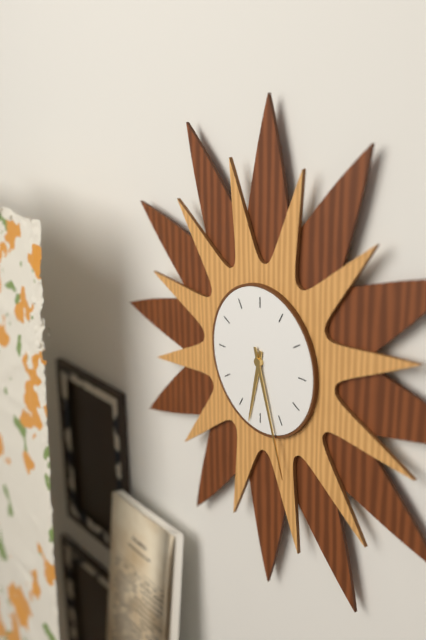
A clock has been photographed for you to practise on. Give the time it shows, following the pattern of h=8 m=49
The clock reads h=6 m=27
